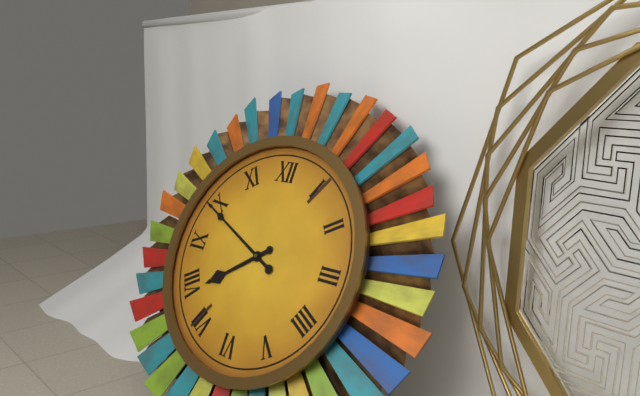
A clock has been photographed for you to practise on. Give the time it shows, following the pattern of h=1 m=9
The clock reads h=7 m=49
